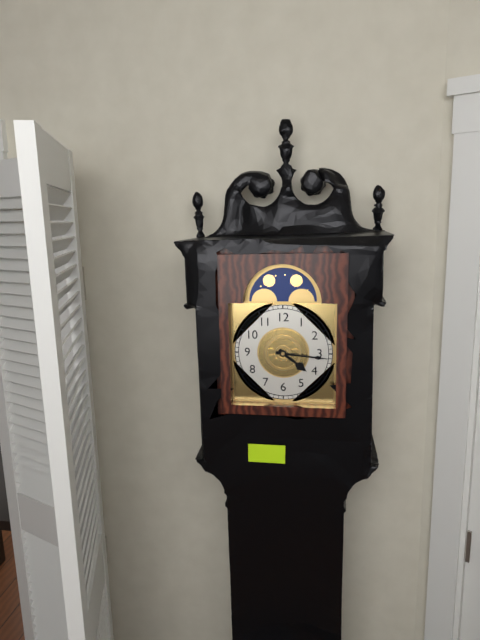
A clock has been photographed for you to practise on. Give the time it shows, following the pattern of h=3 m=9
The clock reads h=4 m=16
